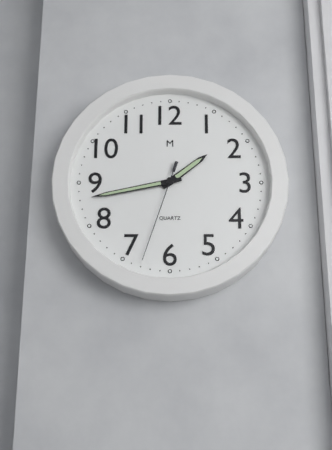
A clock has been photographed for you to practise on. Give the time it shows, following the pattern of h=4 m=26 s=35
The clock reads h=1 m=43 s=33
